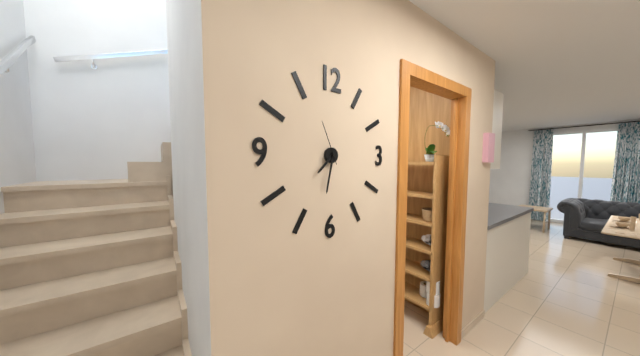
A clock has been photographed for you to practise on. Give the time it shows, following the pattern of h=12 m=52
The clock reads h=7 m=32
